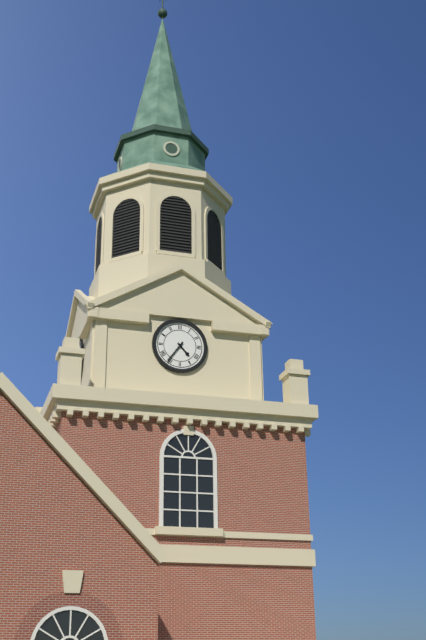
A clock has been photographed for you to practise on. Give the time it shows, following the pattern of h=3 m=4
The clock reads h=4 m=36
